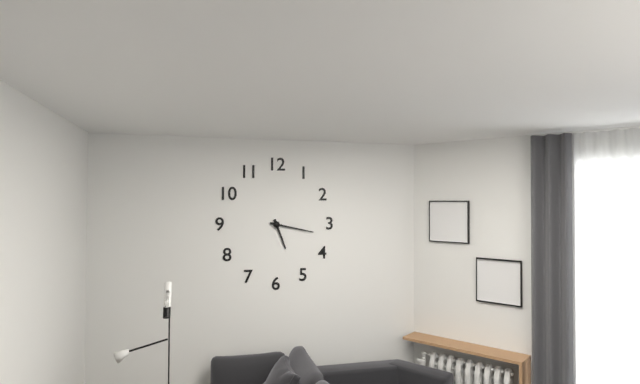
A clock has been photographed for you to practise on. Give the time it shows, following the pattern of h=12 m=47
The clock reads h=5 m=17
